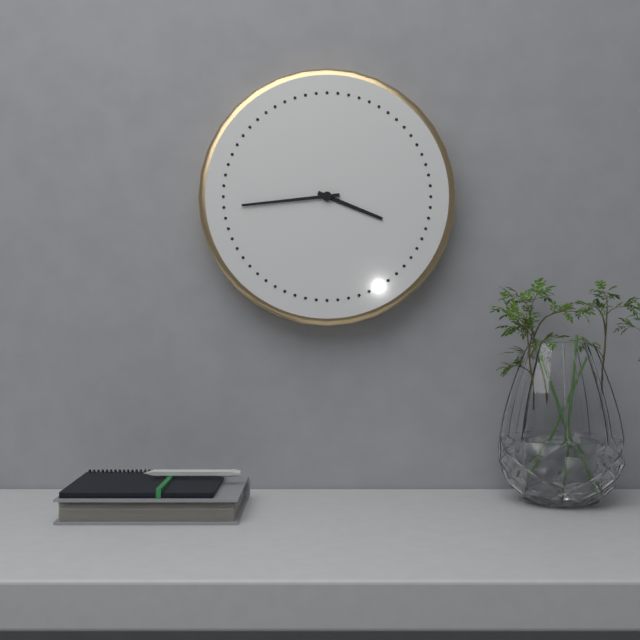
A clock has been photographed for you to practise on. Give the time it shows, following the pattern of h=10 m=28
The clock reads h=3 m=44
